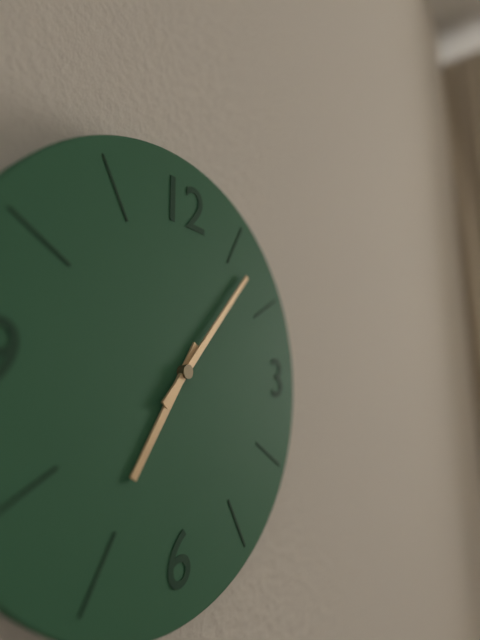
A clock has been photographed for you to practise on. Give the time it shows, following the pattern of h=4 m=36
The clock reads h=7 m=7
